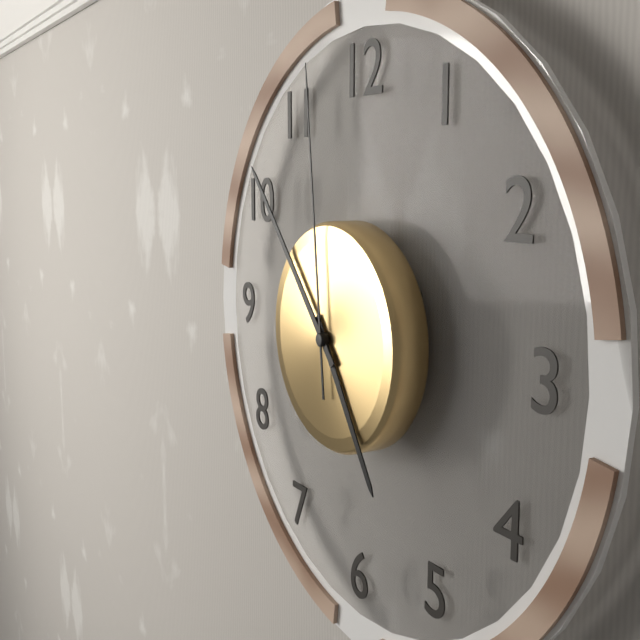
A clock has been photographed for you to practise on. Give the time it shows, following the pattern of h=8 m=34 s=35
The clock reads h=4 m=53 s=59
